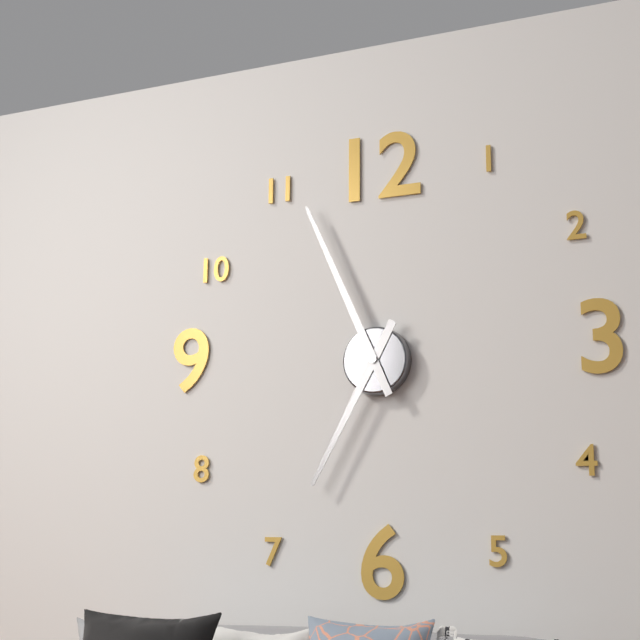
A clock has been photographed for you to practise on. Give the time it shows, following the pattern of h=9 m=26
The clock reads h=6 m=56
